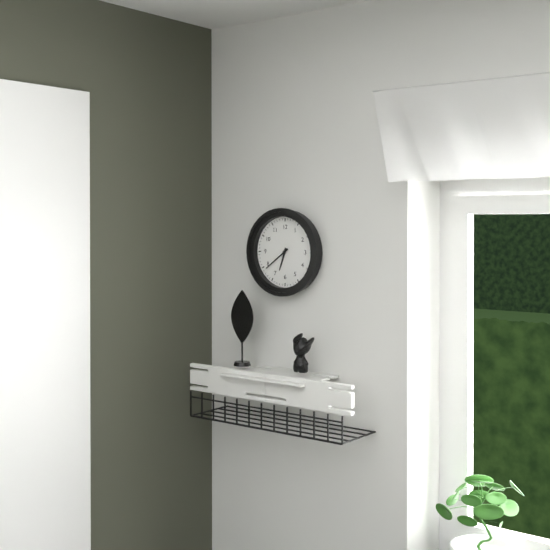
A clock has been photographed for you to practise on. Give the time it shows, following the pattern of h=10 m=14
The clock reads h=6 m=39
